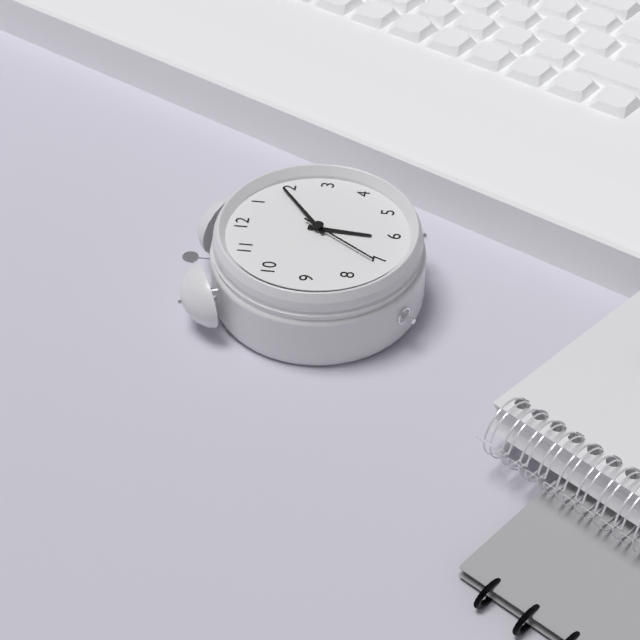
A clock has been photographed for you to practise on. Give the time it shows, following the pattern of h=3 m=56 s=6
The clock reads h=6 m=9 s=36
